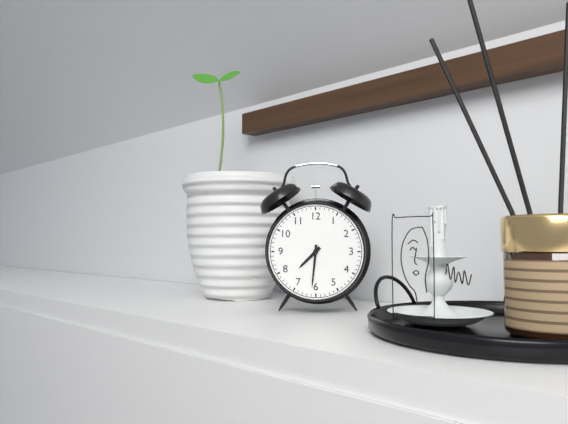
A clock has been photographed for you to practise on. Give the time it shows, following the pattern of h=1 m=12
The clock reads h=7 m=31
